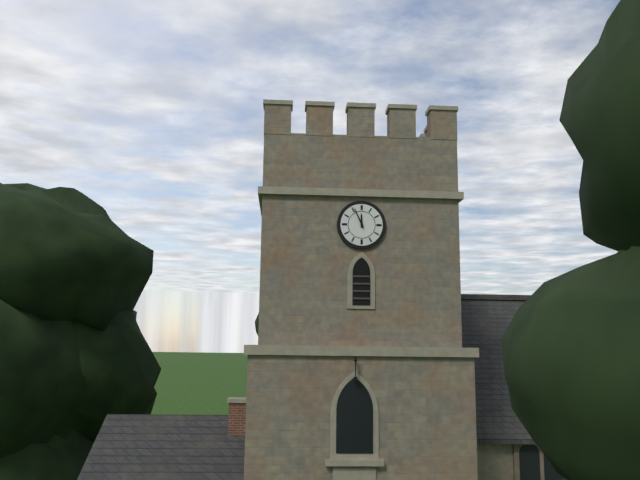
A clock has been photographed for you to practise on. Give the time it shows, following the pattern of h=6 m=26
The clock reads h=11 m=56
